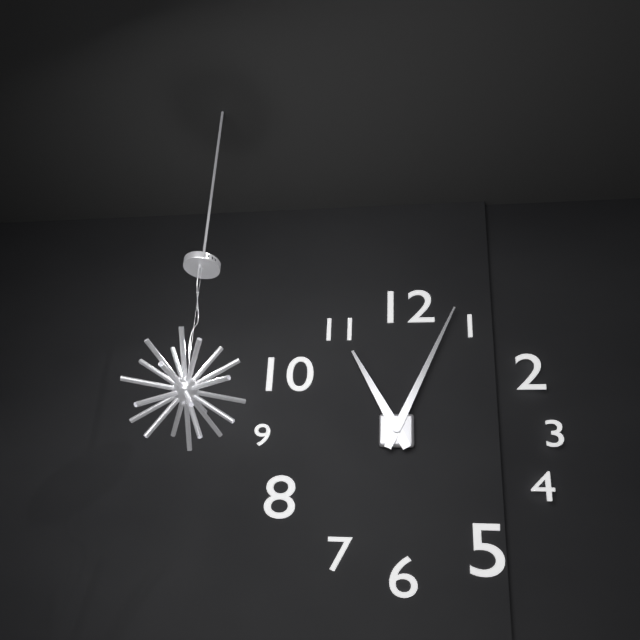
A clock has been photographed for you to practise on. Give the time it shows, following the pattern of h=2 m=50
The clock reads h=11 m=4
